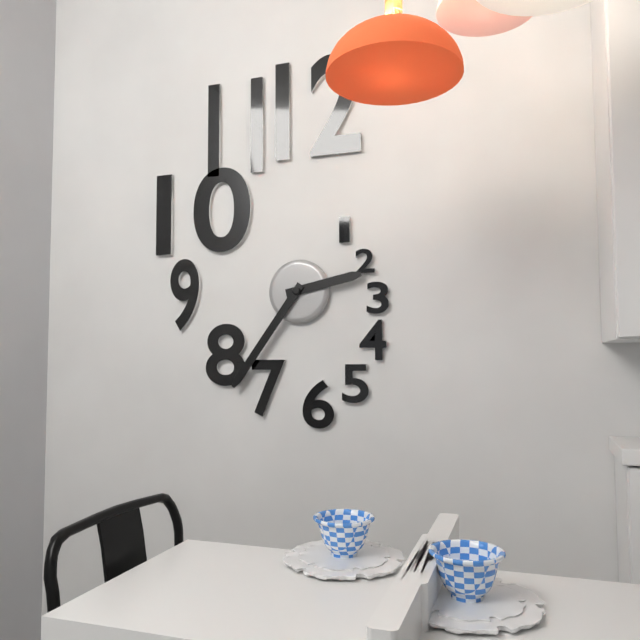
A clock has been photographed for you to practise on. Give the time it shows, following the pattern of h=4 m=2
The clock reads h=2 m=36
